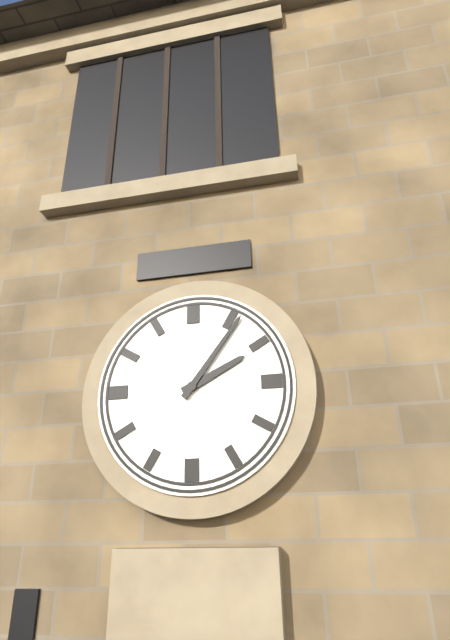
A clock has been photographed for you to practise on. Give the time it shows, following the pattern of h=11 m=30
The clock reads h=2 m=6
